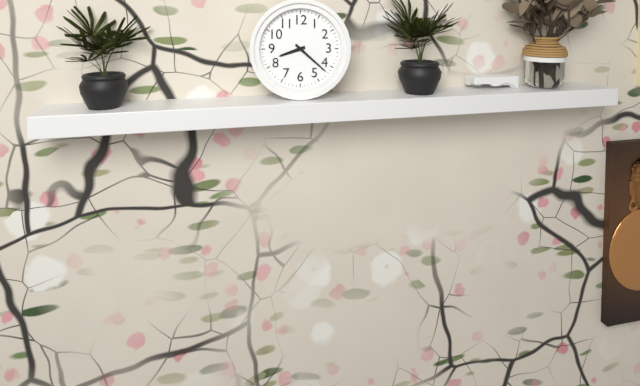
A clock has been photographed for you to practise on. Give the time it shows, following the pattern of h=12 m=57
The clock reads h=8 m=22
